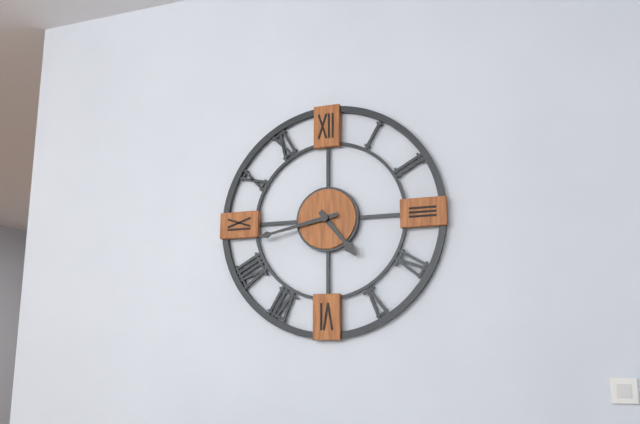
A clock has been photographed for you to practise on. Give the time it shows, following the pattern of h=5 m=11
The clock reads h=4 m=43
